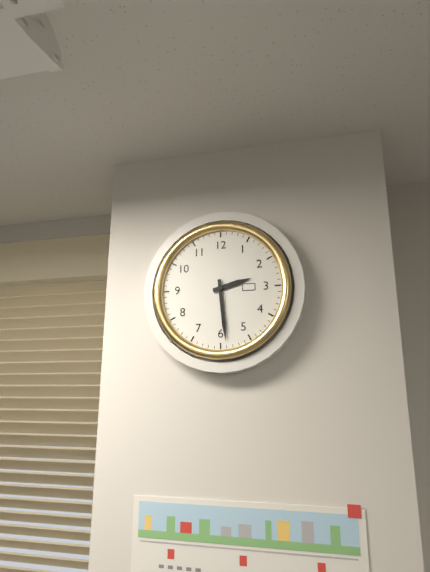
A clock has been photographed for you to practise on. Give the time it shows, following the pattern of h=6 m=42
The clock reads h=2 m=29
